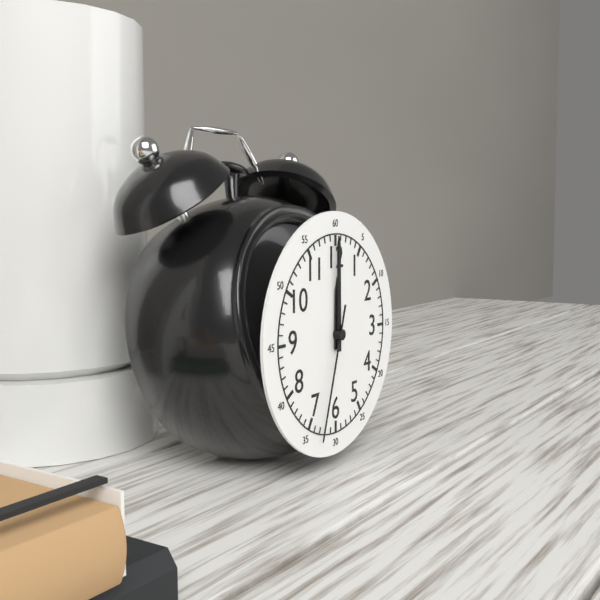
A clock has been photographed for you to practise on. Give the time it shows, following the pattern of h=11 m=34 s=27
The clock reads h=12 m=0 s=33
